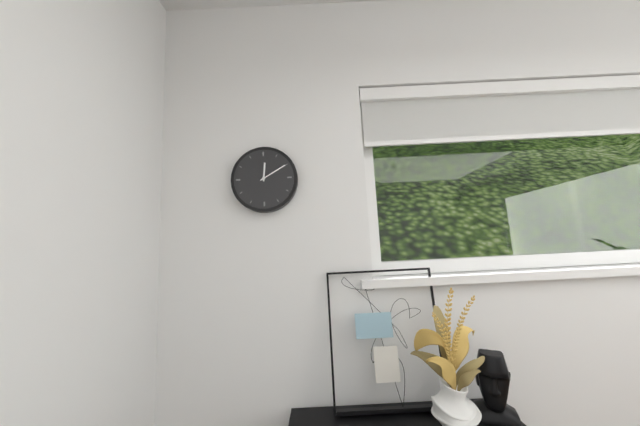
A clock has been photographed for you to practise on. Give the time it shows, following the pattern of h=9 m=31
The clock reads h=12 m=10
